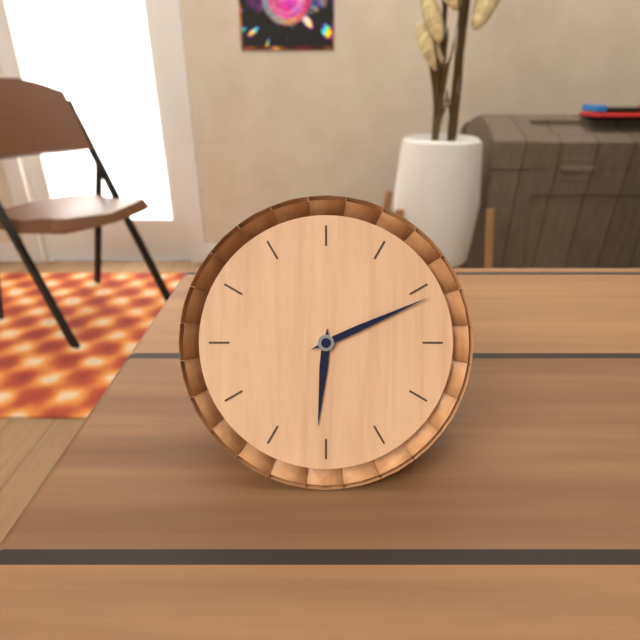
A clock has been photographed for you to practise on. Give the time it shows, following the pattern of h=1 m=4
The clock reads h=6 m=11
